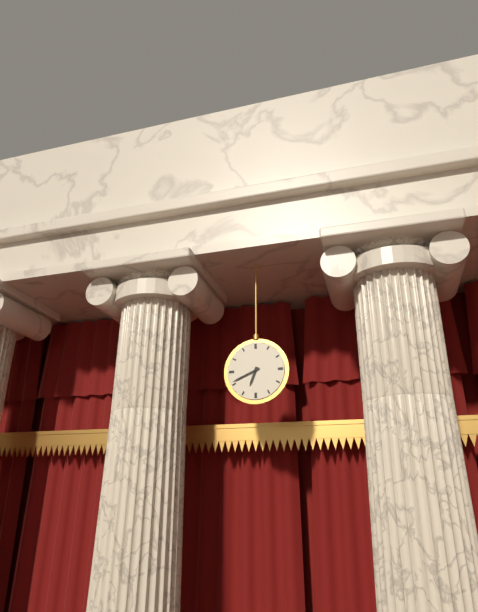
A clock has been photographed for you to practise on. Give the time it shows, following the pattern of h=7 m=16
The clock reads h=6 m=41
